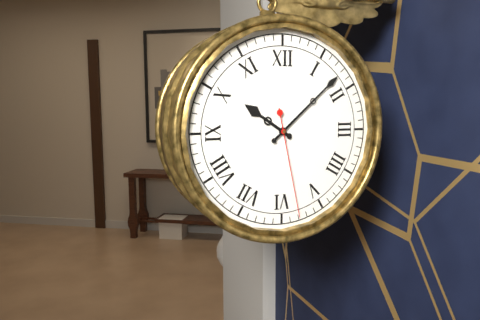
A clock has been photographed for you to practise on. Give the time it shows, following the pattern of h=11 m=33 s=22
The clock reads h=10 m=8 s=28
